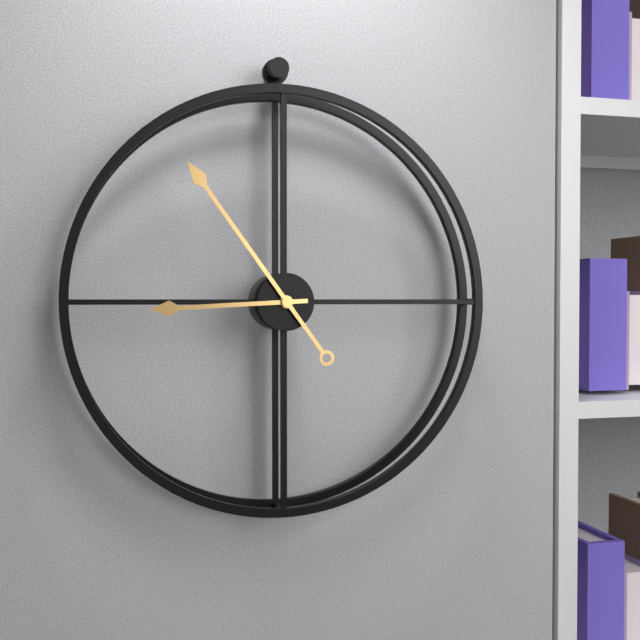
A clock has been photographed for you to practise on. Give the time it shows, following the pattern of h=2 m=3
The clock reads h=8 m=54
